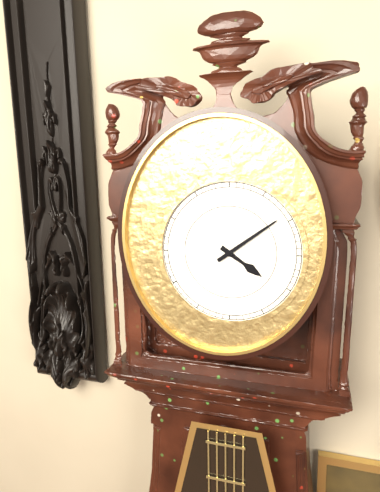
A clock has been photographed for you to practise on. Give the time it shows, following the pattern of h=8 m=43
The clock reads h=4 m=9
